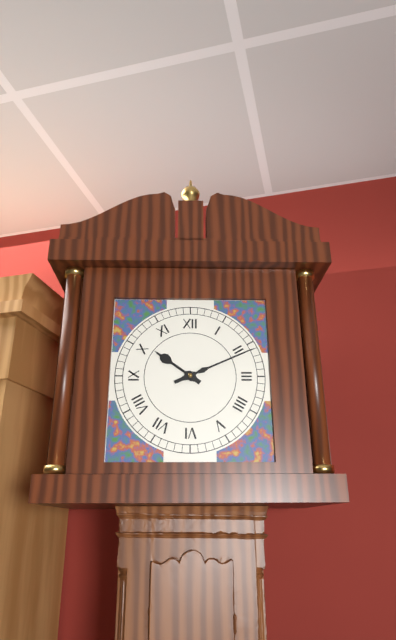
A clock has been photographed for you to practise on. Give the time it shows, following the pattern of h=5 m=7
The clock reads h=10 m=11
